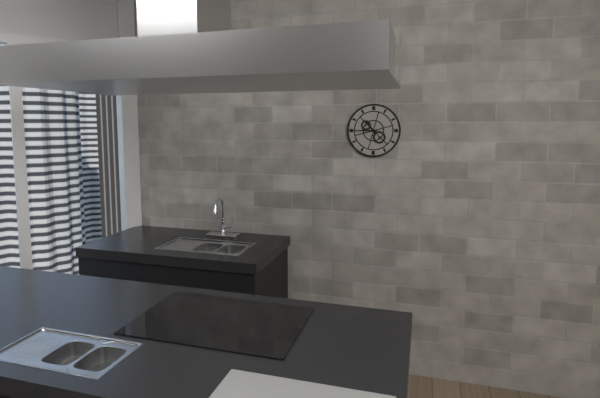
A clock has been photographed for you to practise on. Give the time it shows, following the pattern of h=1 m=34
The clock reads h=10 m=45
